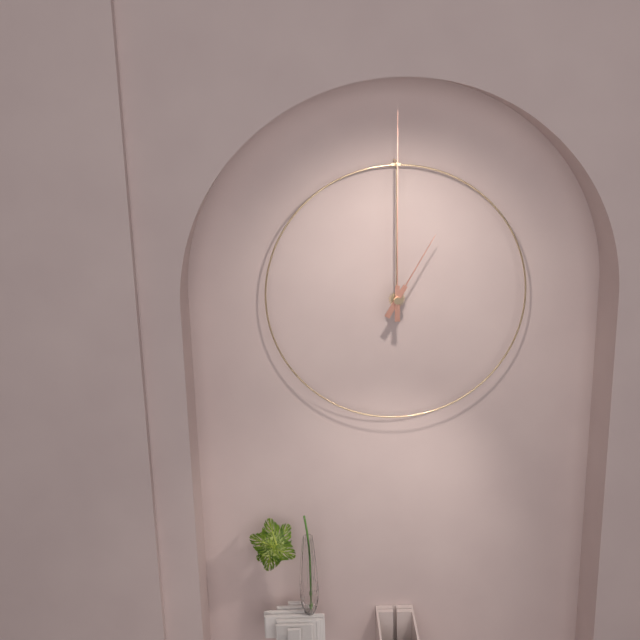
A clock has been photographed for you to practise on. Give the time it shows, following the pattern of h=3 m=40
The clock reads h=1 m=0
